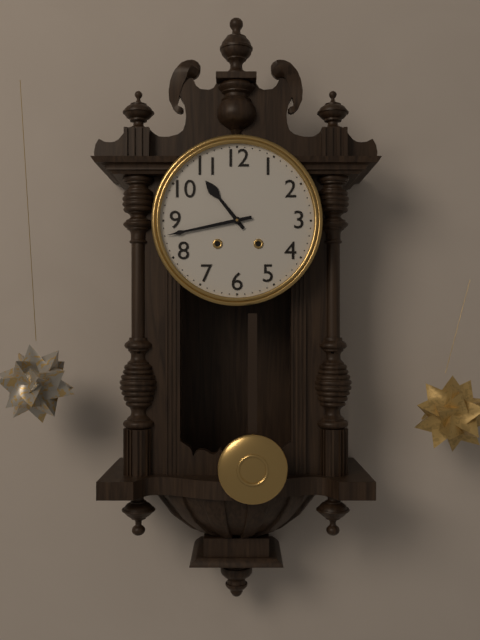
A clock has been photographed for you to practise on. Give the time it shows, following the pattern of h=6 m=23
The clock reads h=10 m=43
